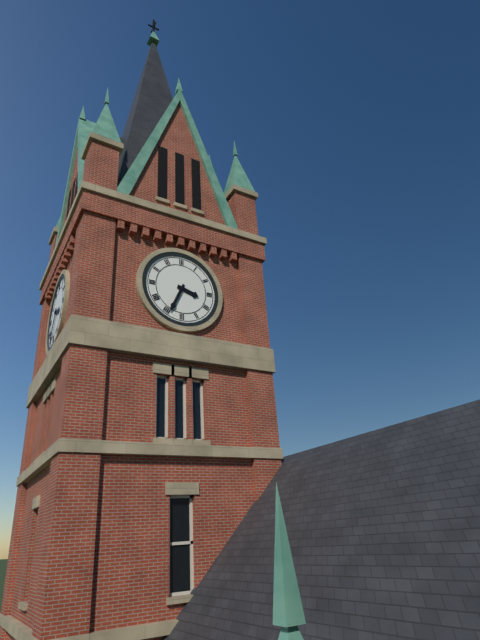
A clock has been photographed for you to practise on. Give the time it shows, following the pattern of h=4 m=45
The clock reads h=3 m=34
